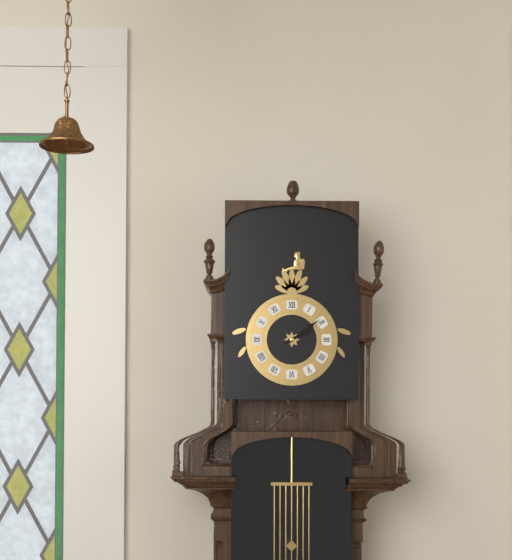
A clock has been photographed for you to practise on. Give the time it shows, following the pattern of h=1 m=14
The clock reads h=2 m=9
